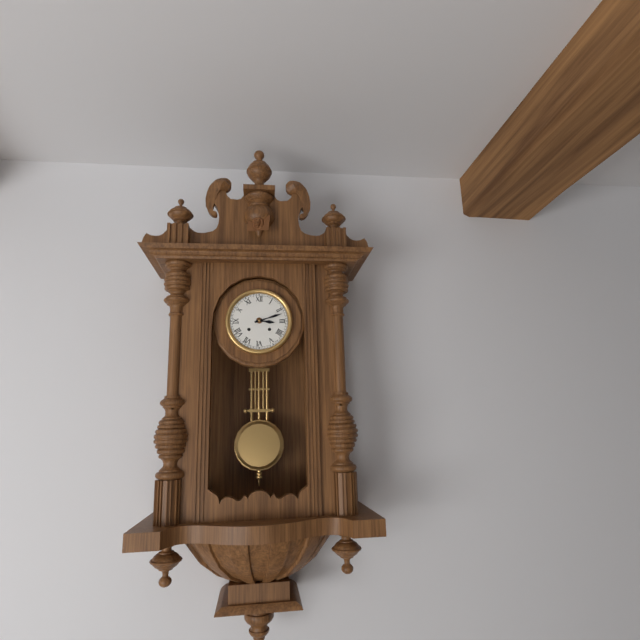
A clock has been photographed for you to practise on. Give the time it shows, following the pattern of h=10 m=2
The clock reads h=3 m=12
